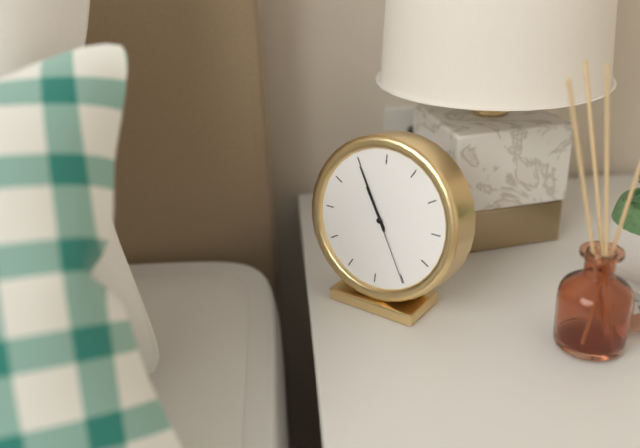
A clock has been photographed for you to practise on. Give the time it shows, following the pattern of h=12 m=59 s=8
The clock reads h=10 m=55 s=25
